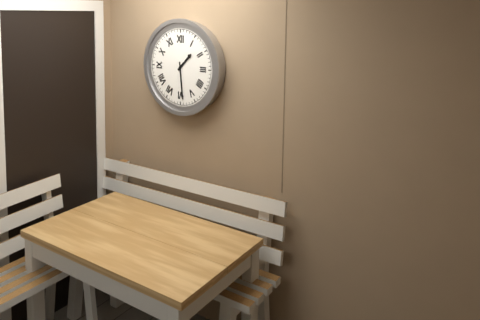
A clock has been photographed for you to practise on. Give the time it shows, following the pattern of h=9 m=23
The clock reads h=1 m=29
